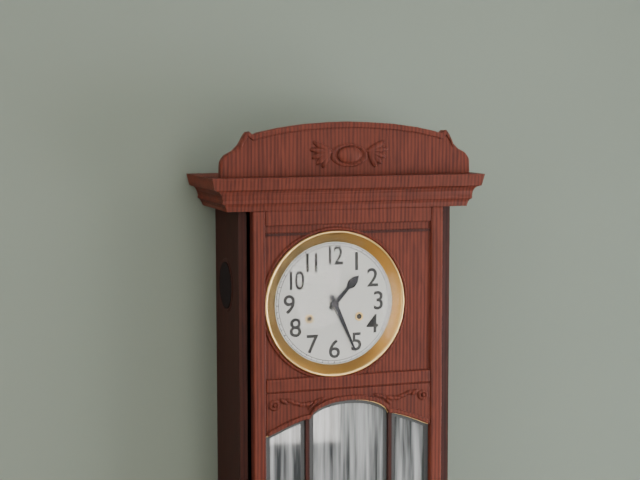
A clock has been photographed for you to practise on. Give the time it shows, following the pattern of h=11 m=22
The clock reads h=1 m=26
